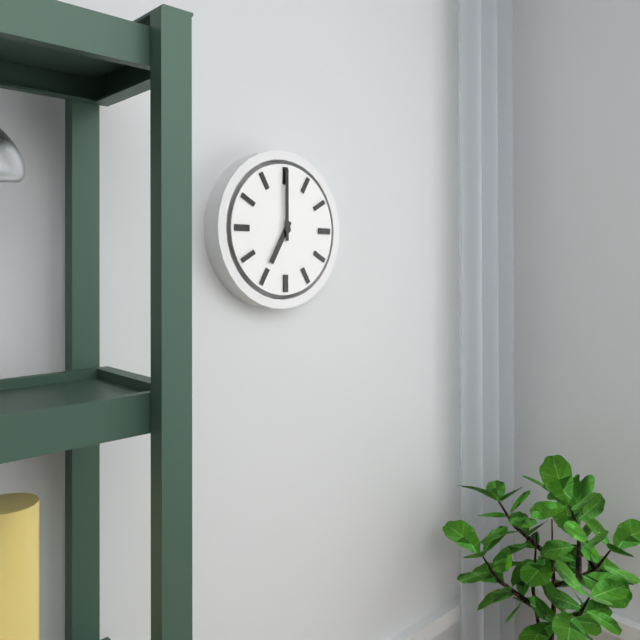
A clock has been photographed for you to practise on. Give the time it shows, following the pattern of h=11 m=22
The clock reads h=7 m=0
